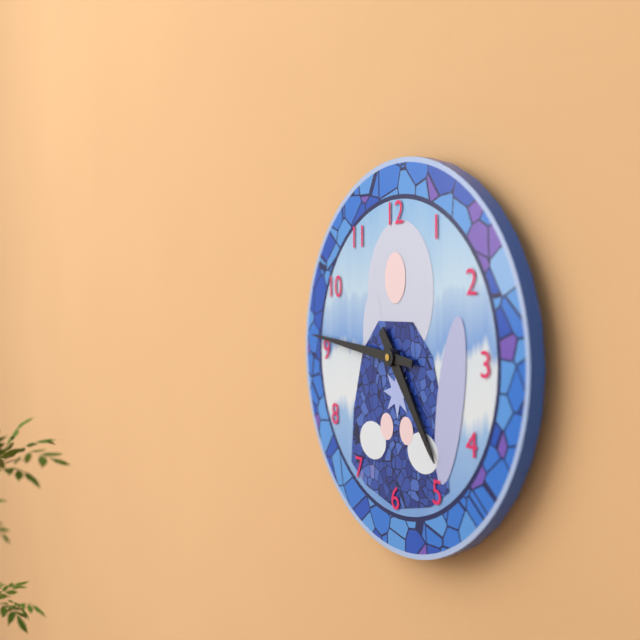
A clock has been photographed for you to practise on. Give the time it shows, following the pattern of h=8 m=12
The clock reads h=4 m=46
